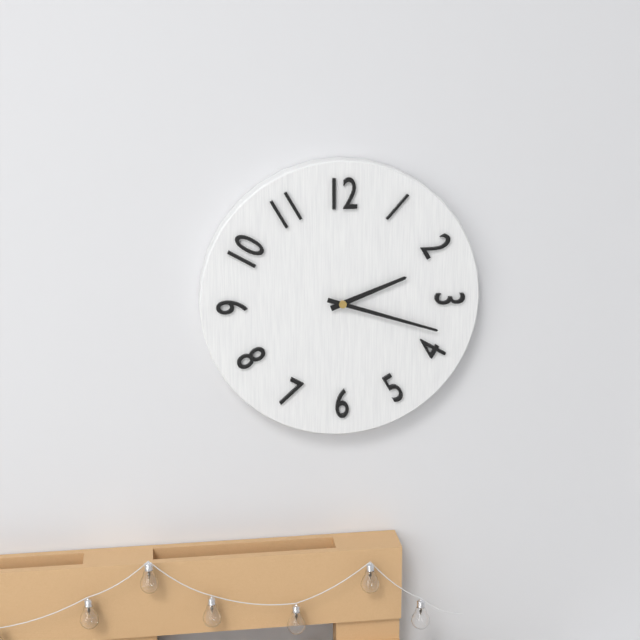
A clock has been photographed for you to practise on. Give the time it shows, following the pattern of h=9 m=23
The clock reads h=2 m=18
